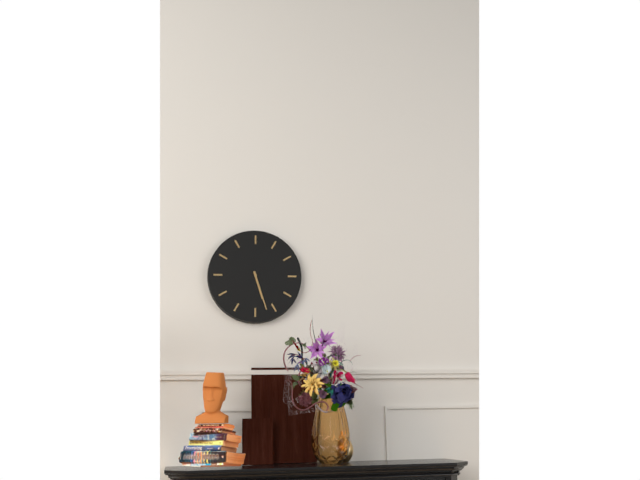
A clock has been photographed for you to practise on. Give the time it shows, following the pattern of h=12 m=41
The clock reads h=5 m=27
